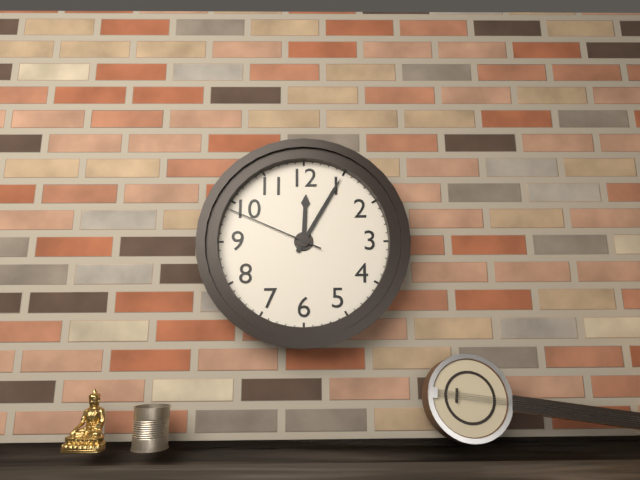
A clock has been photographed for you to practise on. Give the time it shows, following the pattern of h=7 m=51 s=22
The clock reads h=12 m=5 s=49
